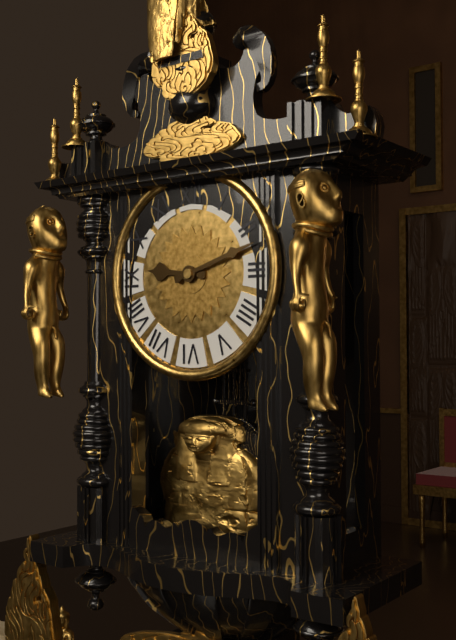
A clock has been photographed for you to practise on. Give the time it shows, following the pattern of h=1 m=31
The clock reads h=9 m=12
